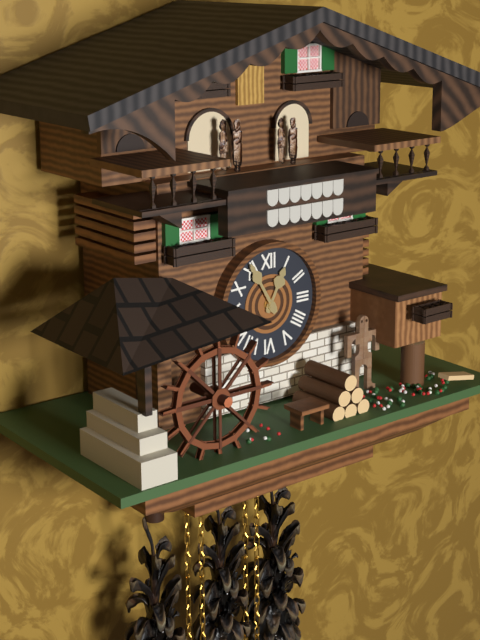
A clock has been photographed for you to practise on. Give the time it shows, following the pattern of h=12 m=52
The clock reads h=12 m=55
